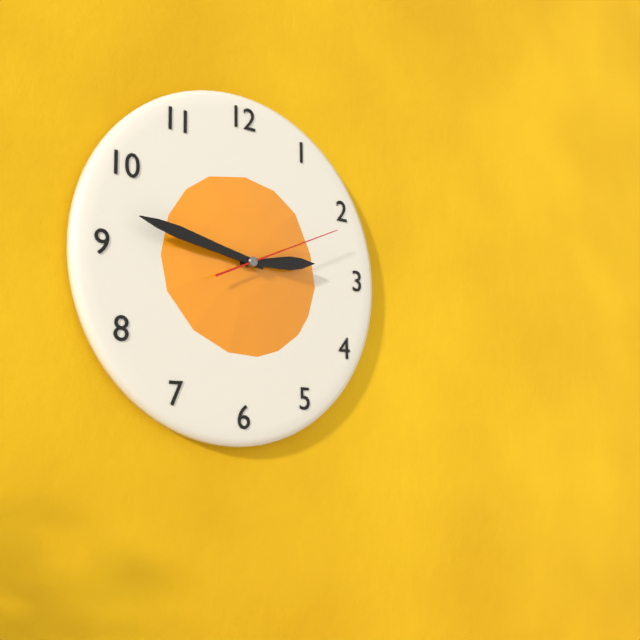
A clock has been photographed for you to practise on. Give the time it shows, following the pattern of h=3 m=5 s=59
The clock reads h=2 m=47 s=11
